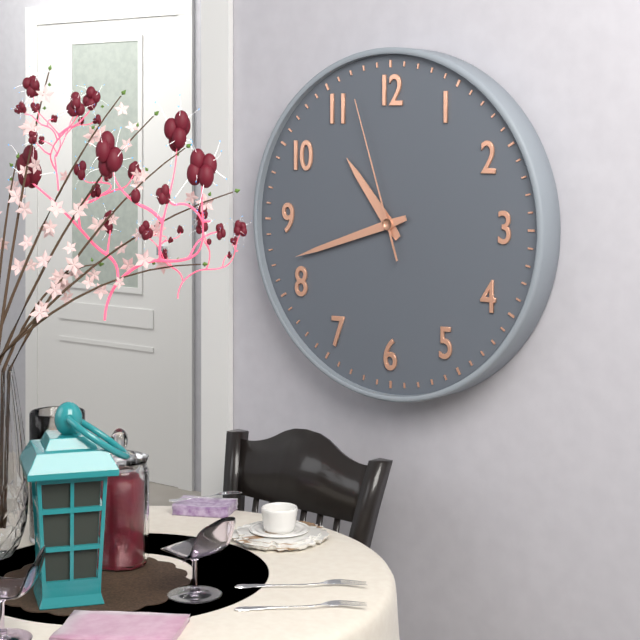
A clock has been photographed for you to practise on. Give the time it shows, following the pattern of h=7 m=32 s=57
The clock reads h=10 m=42 s=57
